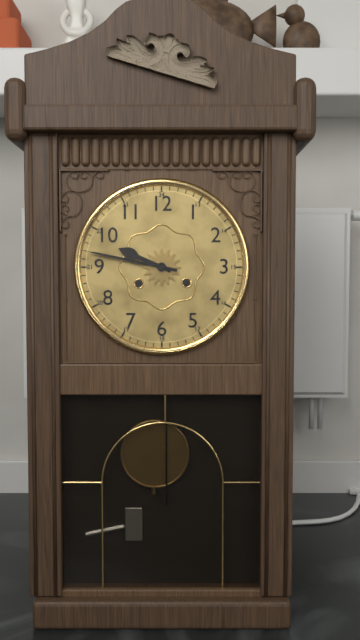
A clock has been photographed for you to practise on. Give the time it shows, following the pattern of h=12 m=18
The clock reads h=9 m=47
